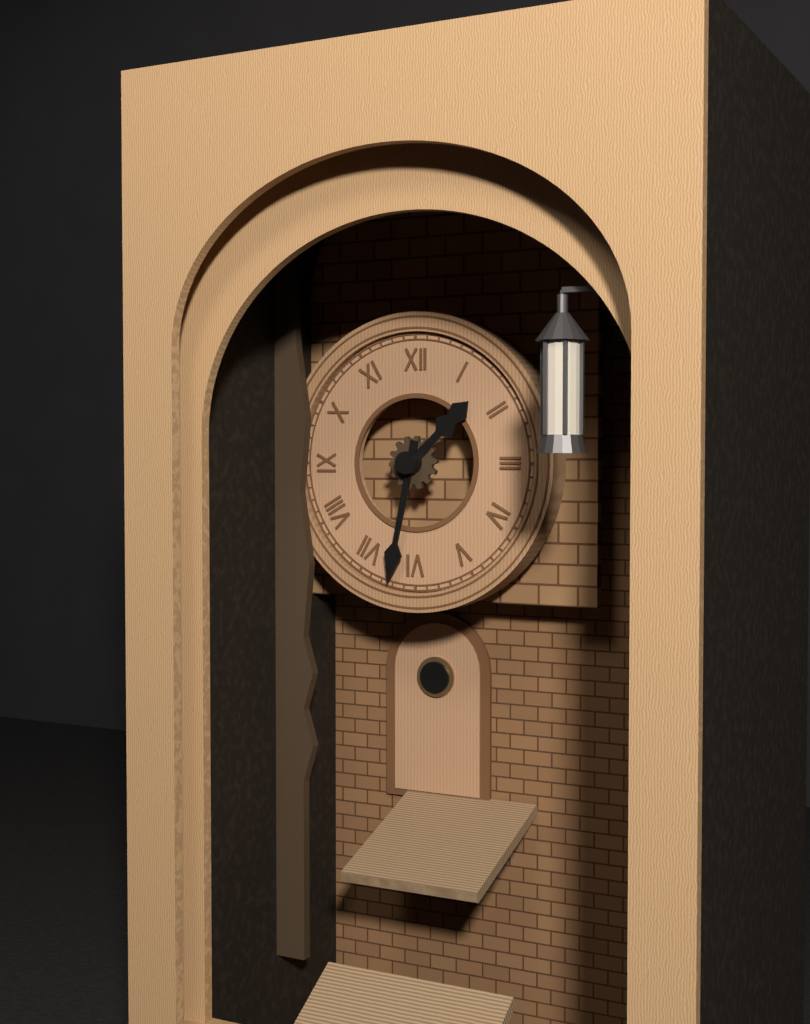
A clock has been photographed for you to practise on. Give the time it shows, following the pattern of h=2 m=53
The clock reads h=1 m=32
